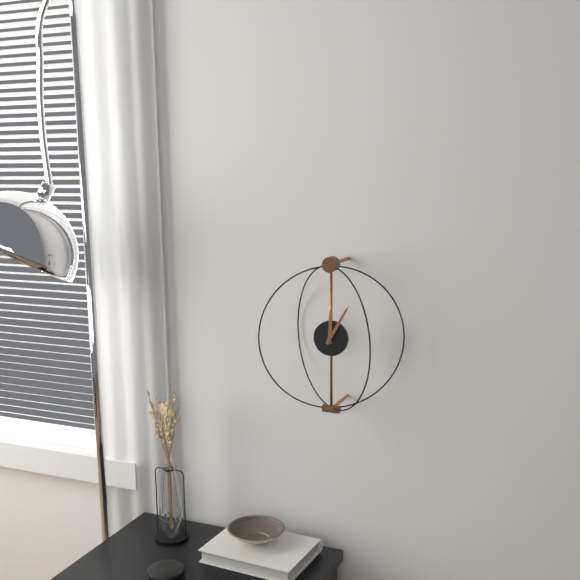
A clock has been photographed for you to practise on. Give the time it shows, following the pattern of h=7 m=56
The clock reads h=12 m=5
